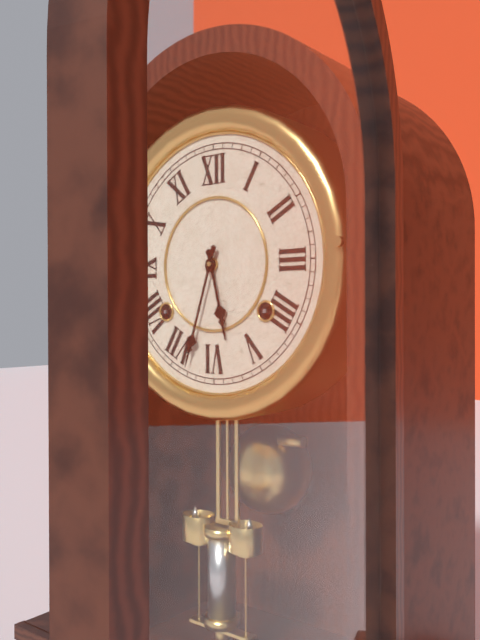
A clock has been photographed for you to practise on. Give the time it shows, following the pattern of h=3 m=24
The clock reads h=5 m=33
